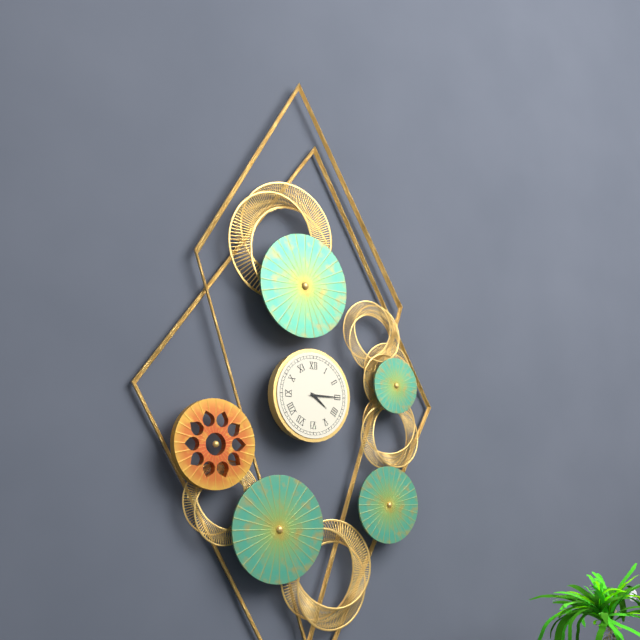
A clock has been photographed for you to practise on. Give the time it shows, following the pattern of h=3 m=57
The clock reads h=4 m=15
